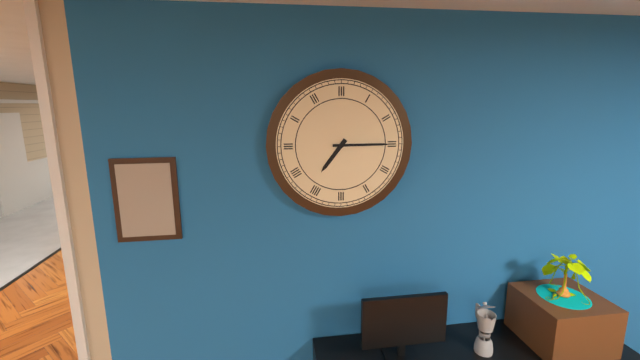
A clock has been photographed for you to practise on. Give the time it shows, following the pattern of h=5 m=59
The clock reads h=7 m=15
